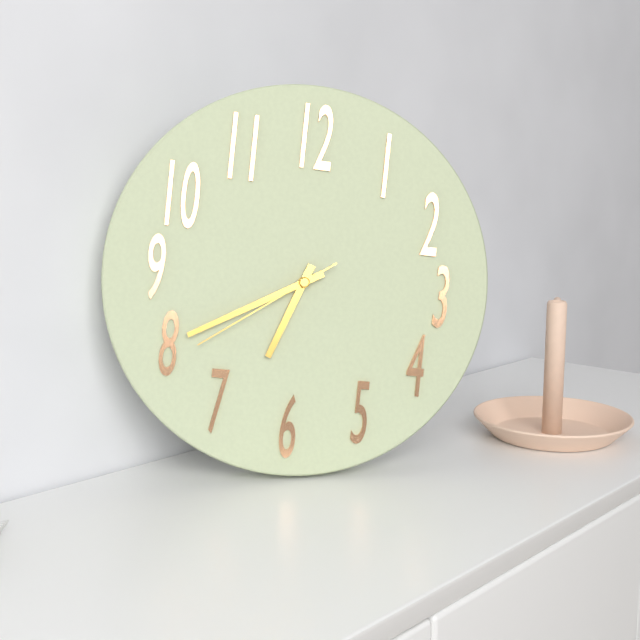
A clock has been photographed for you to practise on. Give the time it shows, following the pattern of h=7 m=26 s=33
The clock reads h=6 m=40 s=39
